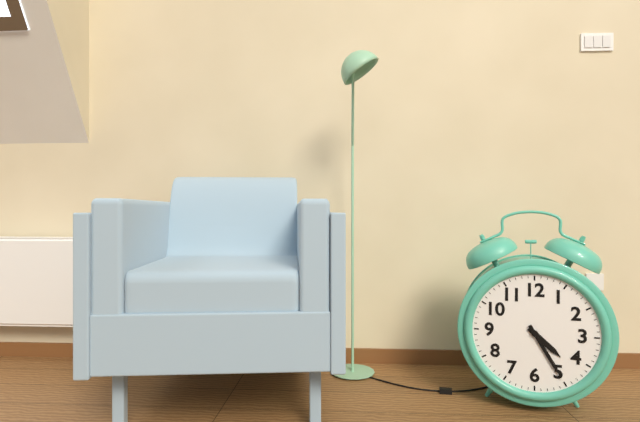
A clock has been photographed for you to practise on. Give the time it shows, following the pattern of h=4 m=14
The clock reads h=4 m=25
